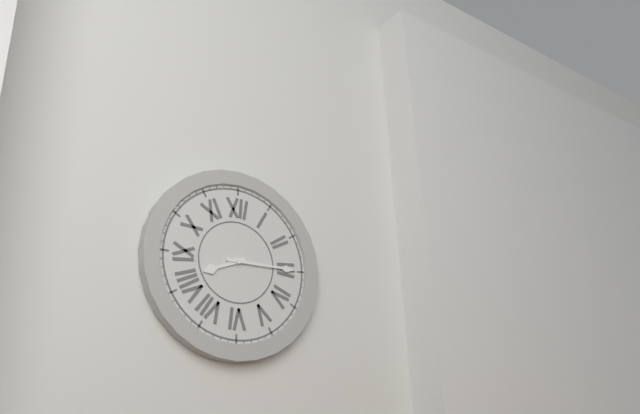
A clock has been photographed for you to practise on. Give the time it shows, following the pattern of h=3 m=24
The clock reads h=8 m=15
